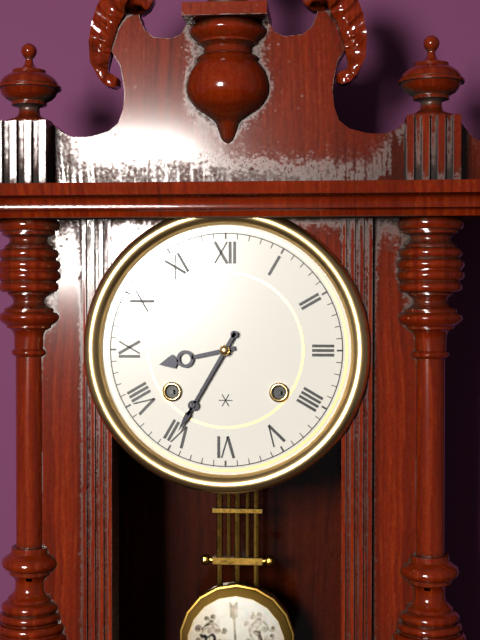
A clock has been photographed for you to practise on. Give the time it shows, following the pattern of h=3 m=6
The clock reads h=8 m=35
